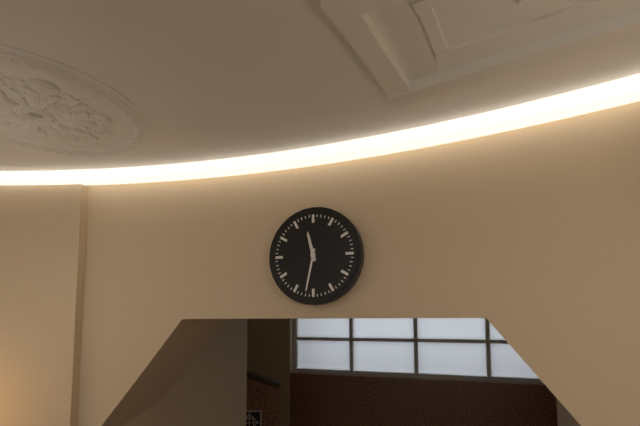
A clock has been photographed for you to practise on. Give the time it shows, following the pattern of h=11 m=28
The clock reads h=11 m=32
